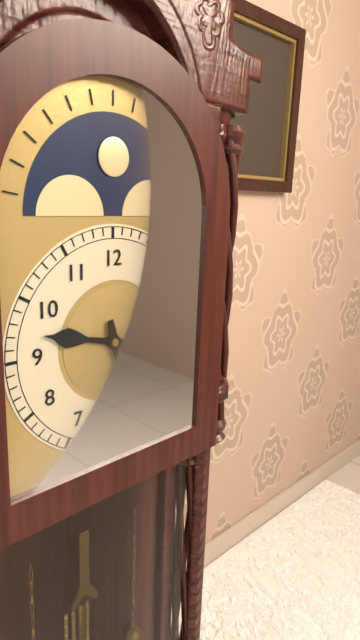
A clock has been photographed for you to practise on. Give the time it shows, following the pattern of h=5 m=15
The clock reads h=9 m=28
